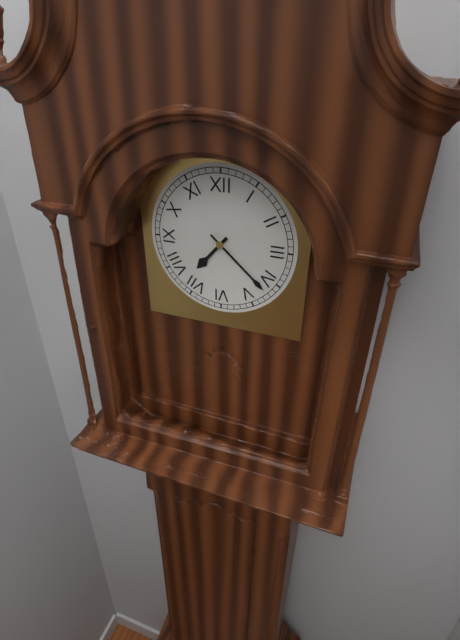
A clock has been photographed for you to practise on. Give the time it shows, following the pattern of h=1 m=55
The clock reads h=7 m=22
